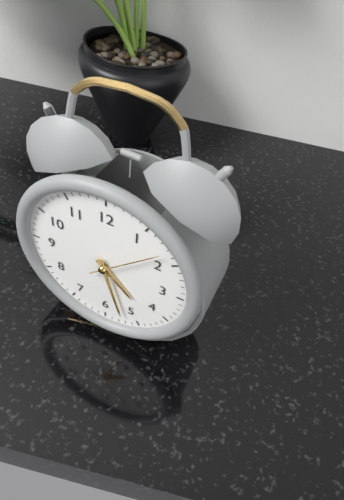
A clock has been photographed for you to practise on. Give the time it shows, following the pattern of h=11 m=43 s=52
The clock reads h=4 m=27 s=8
